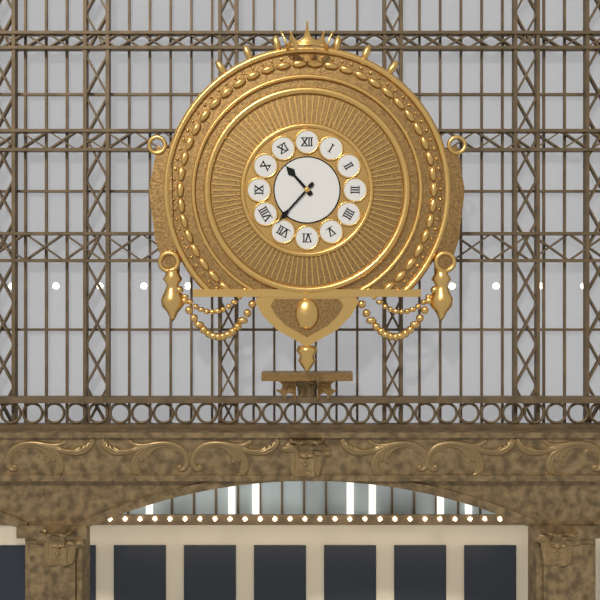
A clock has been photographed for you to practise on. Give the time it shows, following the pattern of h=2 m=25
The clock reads h=10 m=37
